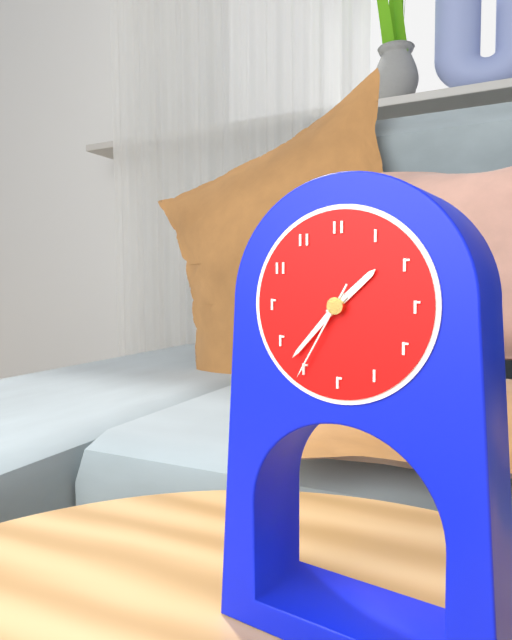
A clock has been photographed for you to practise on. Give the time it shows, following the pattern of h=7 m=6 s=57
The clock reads h=1 m=37 s=35
